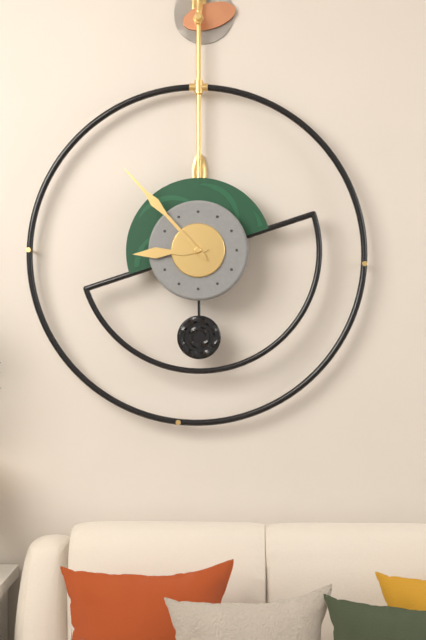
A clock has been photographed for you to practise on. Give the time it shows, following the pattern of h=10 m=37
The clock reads h=8 m=53
